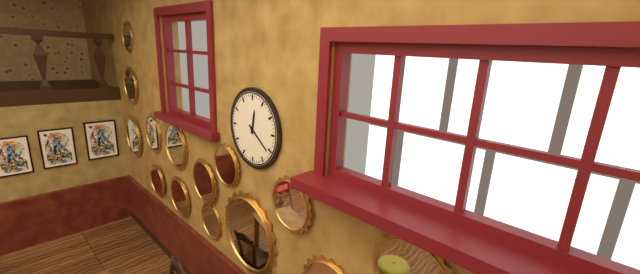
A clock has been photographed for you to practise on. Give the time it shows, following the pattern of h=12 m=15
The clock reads h=12 m=21
